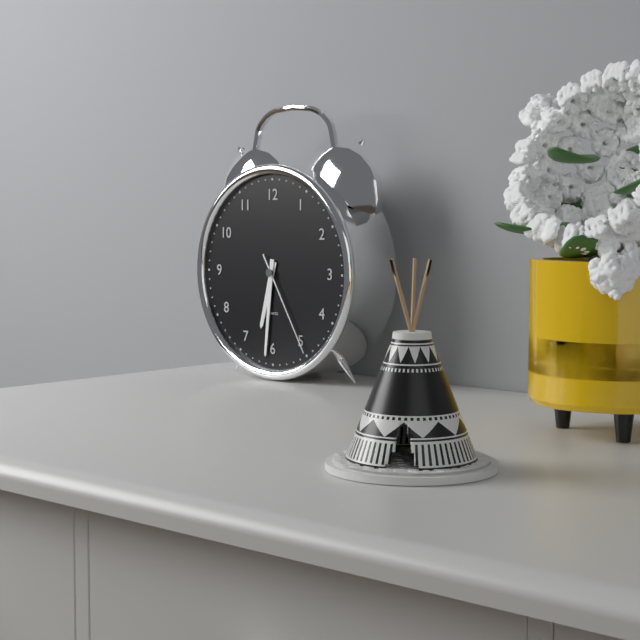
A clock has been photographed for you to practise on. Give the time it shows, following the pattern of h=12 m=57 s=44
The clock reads h=6 m=31 s=25
